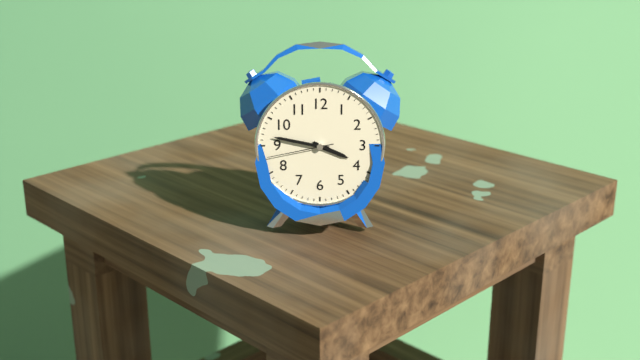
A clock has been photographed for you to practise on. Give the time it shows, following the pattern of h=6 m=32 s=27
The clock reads h=3 m=47 s=43
